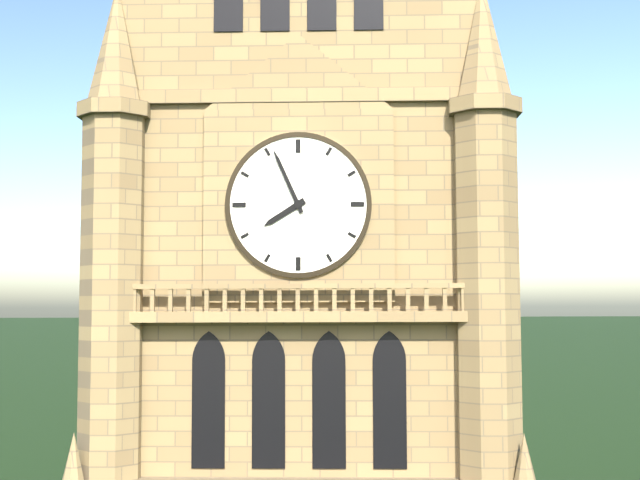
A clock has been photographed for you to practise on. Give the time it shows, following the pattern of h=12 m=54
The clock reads h=7 m=56
